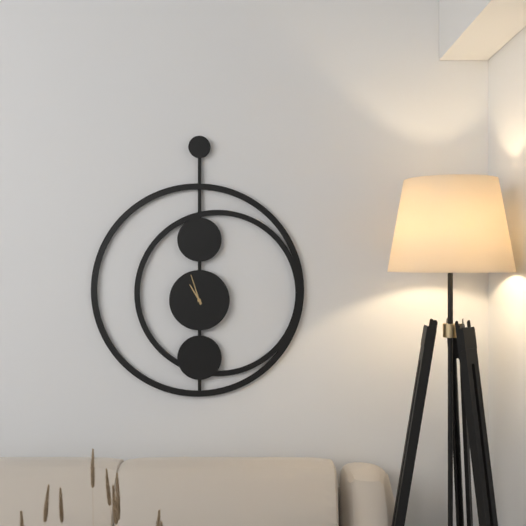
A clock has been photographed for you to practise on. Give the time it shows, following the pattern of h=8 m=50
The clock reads h=10 m=57
